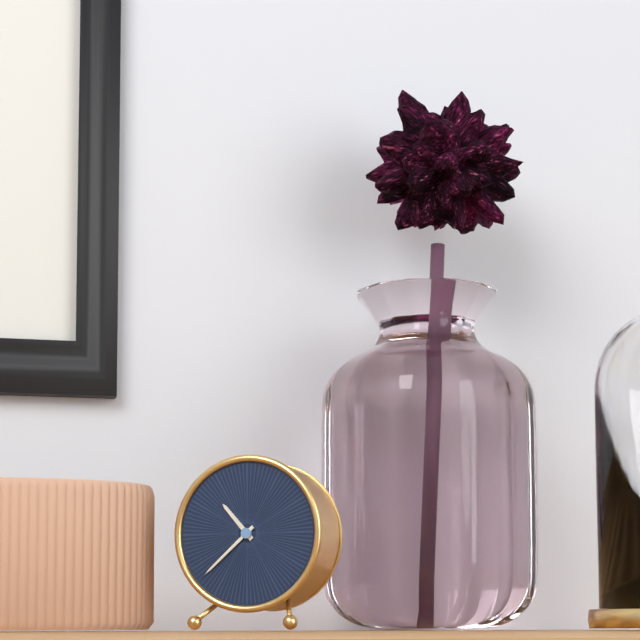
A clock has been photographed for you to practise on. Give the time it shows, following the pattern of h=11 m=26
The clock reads h=10 m=38
